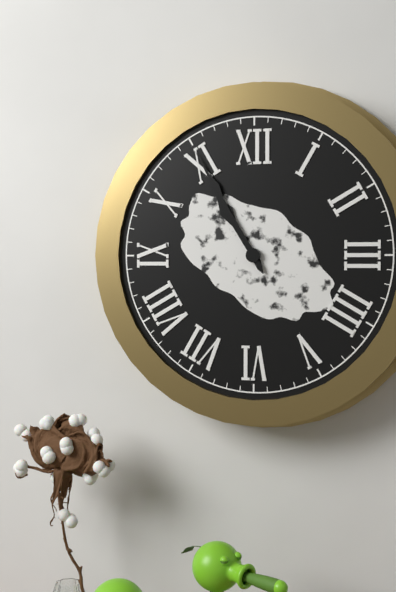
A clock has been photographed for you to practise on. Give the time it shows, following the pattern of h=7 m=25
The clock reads h=10 m=55
